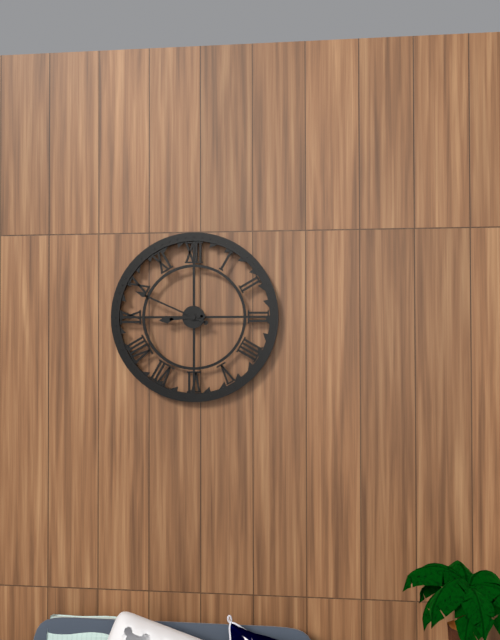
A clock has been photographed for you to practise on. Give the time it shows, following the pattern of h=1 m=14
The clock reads h=8 m=49
